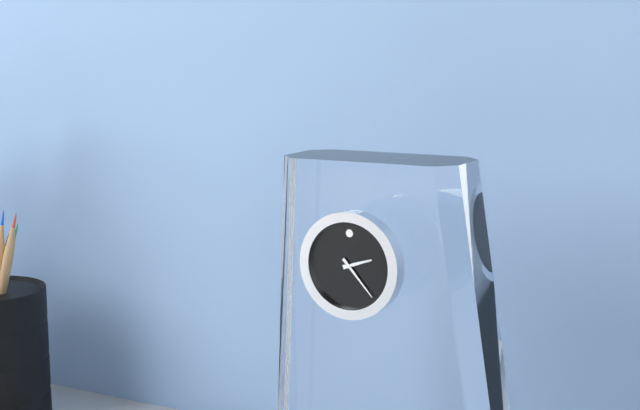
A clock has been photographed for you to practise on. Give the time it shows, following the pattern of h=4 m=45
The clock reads h=2 m=23
